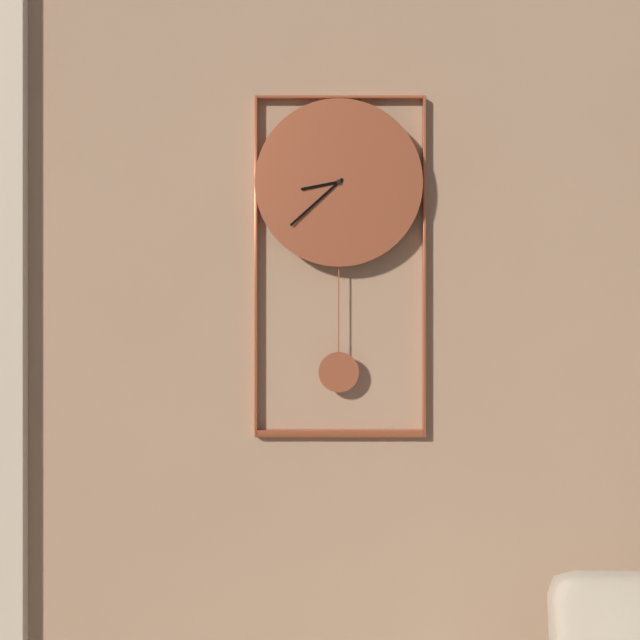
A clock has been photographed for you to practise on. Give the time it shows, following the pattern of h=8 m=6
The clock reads h=8 m=38
